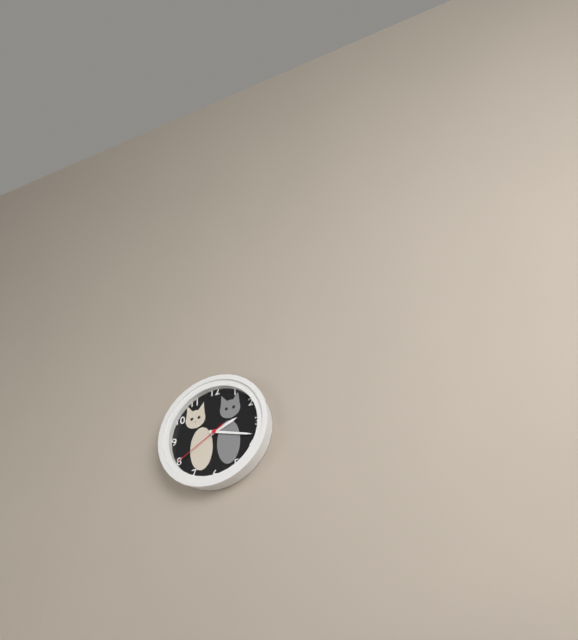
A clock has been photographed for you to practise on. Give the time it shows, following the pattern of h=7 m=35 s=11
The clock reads h=2 m=18 s=40
